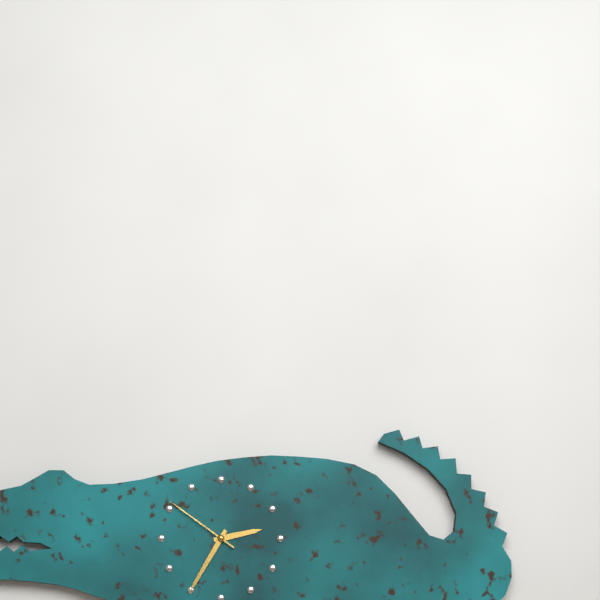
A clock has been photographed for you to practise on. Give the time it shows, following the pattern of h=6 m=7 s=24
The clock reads h=2 m=35 s=51
